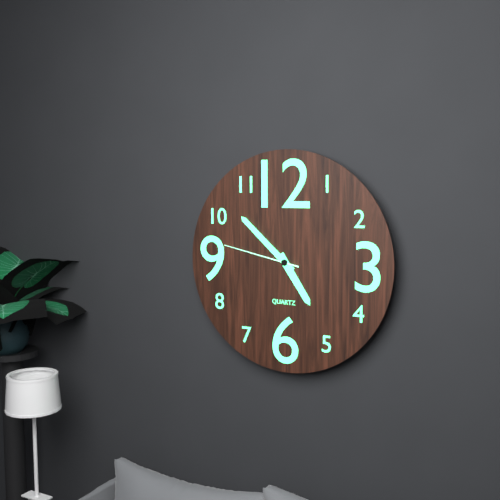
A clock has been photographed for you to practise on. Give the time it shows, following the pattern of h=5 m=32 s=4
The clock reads h=4 m=52 s=47
